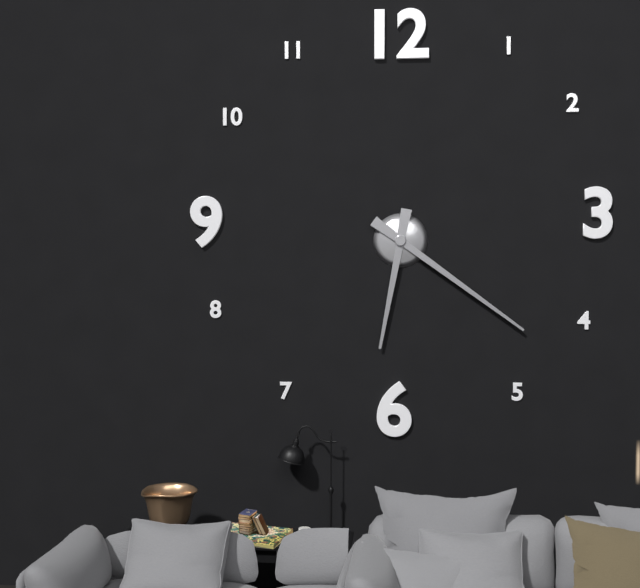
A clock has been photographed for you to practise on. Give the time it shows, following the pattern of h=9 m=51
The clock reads h=6 m=21
